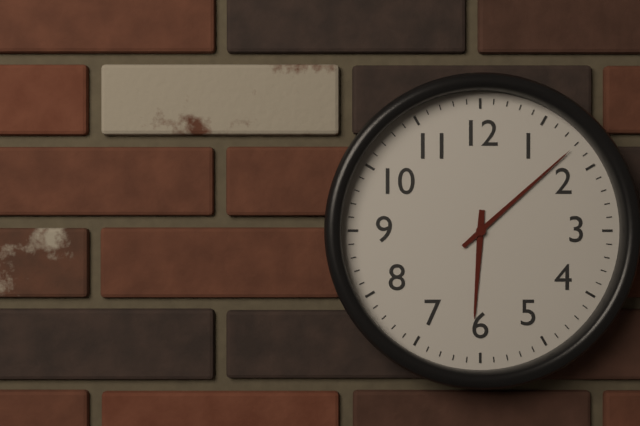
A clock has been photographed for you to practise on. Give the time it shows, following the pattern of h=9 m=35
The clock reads h=6 m=8
